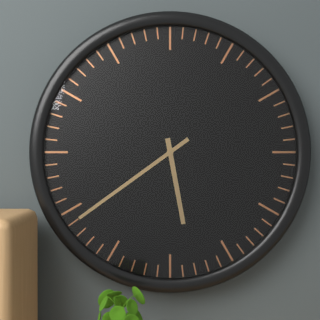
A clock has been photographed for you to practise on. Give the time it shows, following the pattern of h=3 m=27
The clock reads h=5 m=39
